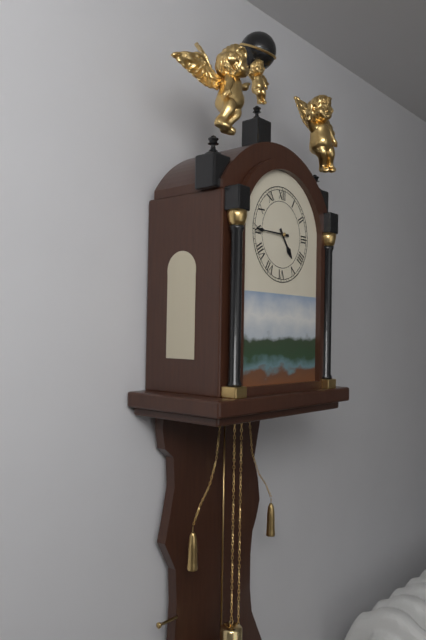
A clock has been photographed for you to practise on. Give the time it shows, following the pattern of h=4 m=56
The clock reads h=4 m=45
